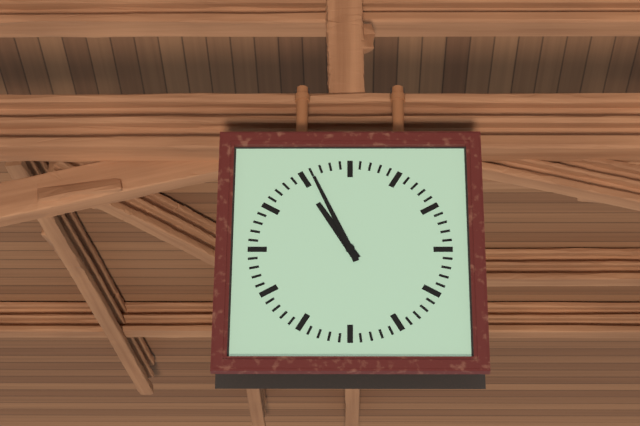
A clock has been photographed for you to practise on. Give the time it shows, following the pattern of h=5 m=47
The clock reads h=10 m=56
